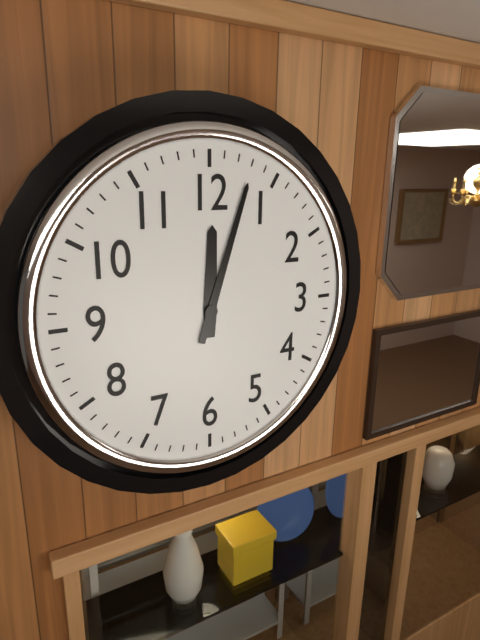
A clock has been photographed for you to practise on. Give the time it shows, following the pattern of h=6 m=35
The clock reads h=12 m=3
